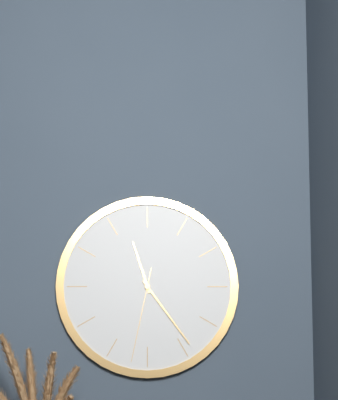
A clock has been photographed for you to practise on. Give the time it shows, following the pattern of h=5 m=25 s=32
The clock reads h=11 m=24 s=32
